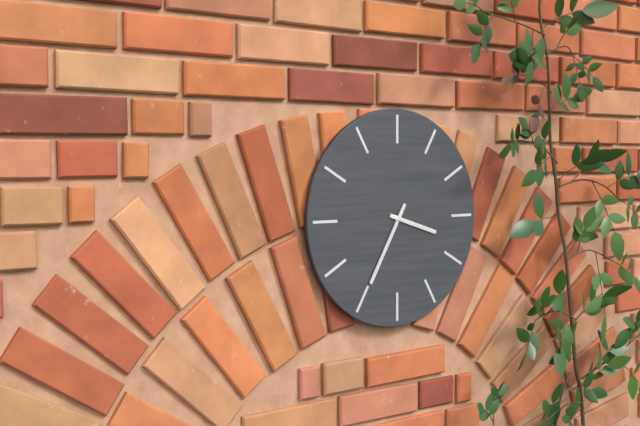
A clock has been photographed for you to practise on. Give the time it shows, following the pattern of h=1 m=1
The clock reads h=3 m=35
